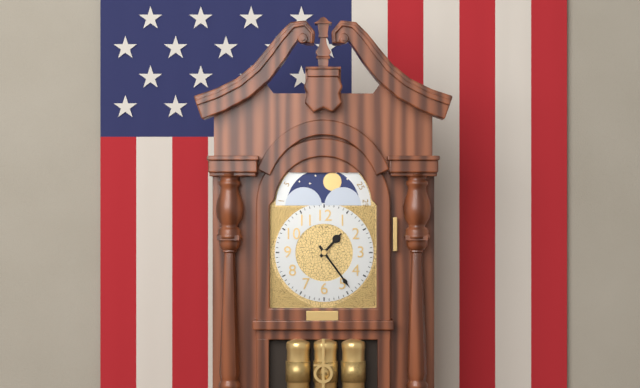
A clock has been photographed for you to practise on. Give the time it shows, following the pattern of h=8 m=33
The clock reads h=1 m=24
